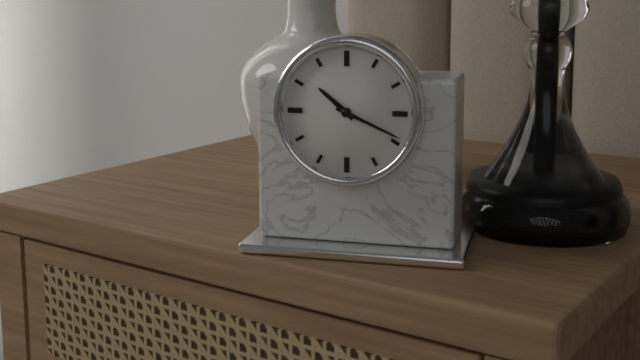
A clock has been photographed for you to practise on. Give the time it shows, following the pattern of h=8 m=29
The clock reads h=10 m=19
